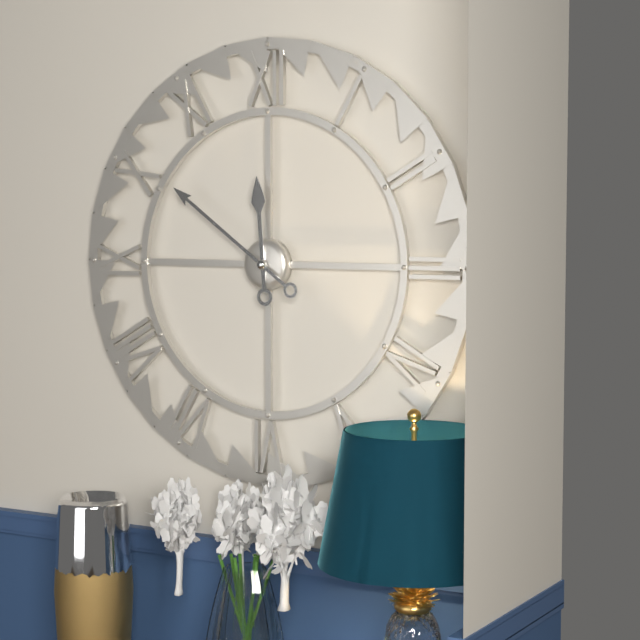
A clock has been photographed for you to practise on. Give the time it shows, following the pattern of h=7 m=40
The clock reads h=11 m=51
